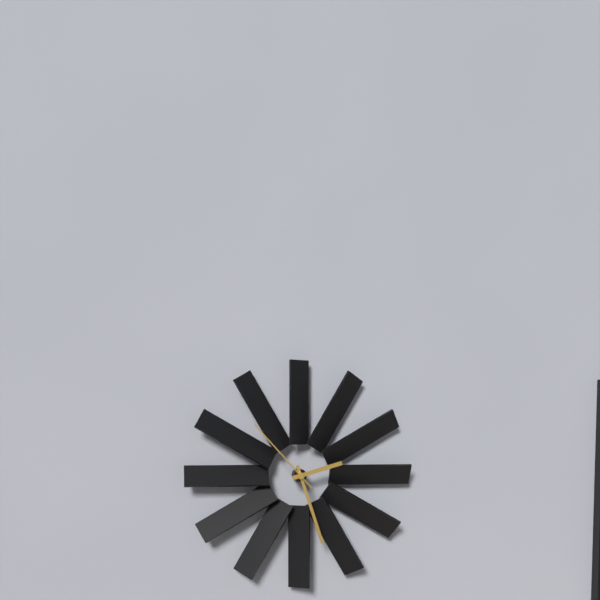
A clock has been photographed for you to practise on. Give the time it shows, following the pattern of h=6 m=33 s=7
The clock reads h=2 m=27 s=53
